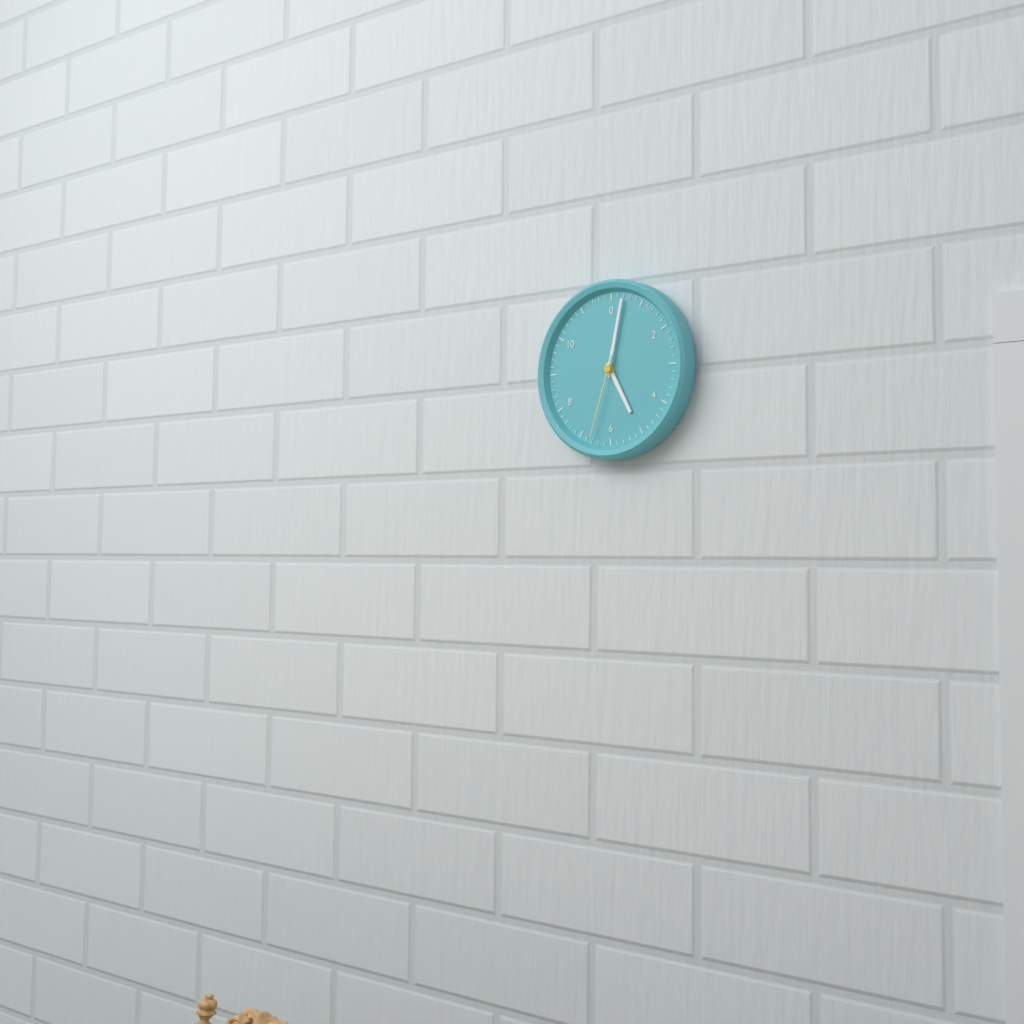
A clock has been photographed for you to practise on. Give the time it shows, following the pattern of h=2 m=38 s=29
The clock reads h=5 m=2 s=33
